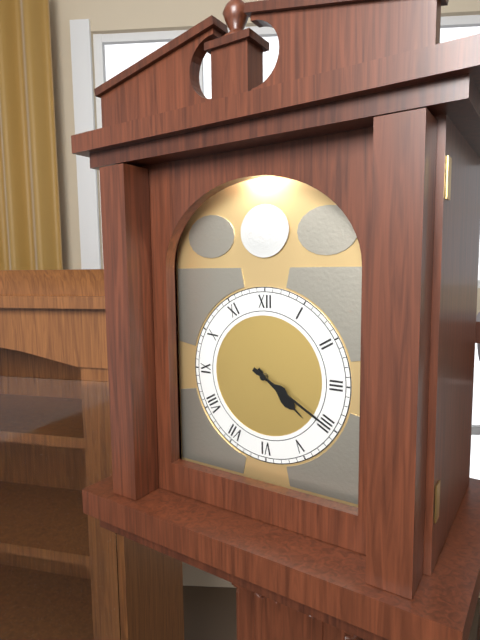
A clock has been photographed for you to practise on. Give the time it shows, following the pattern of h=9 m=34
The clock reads h=4 m=20
